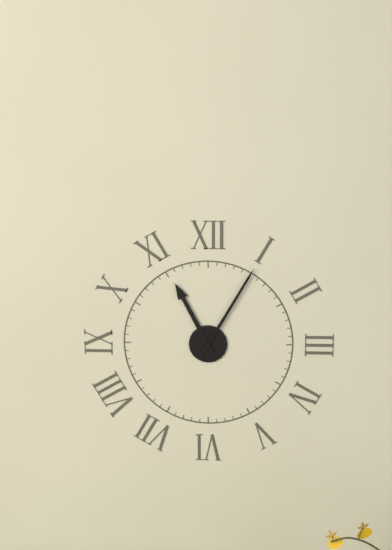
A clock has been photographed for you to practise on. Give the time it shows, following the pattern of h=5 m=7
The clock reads h=11 m=5
